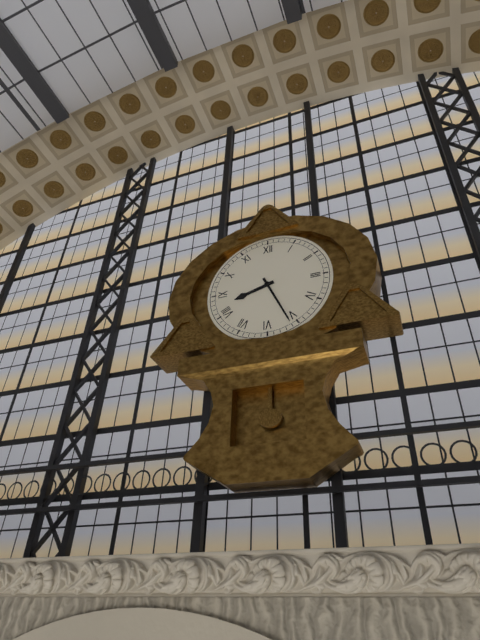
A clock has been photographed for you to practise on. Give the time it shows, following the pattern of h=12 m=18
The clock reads h=8 m=26
